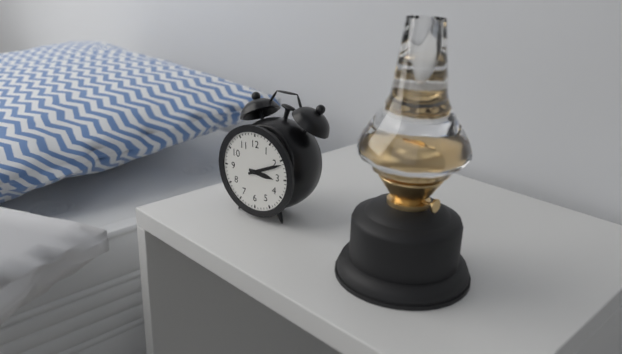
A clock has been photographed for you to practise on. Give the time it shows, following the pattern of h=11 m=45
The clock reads h=3 m=11
